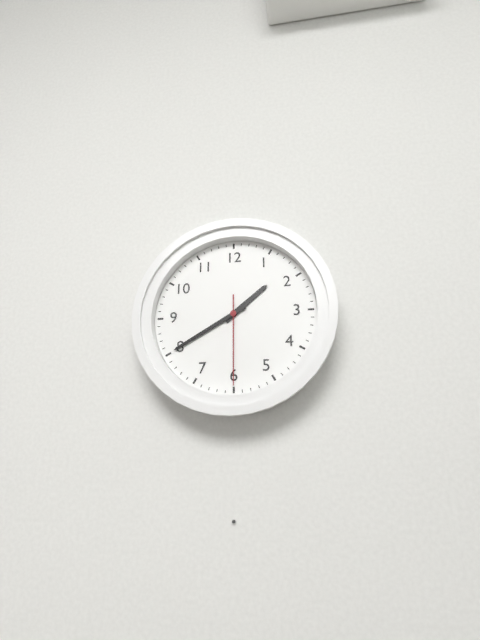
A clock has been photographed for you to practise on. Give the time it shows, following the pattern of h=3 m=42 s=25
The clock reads h=1 m=40 s=30
